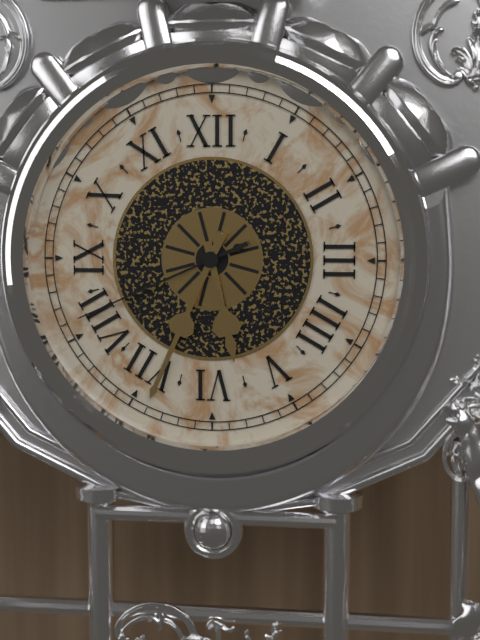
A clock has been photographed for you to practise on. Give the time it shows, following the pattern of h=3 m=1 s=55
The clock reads h=5 m=34 s=41
